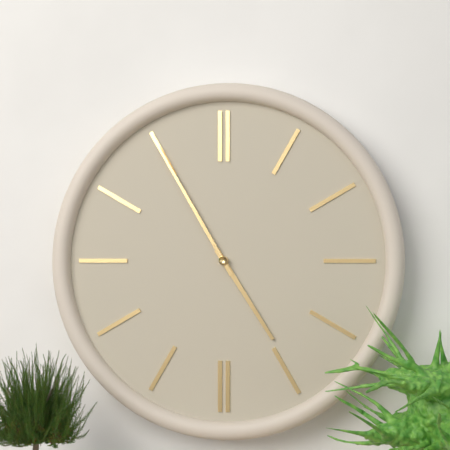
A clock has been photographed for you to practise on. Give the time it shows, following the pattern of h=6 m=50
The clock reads h=4 m=55
